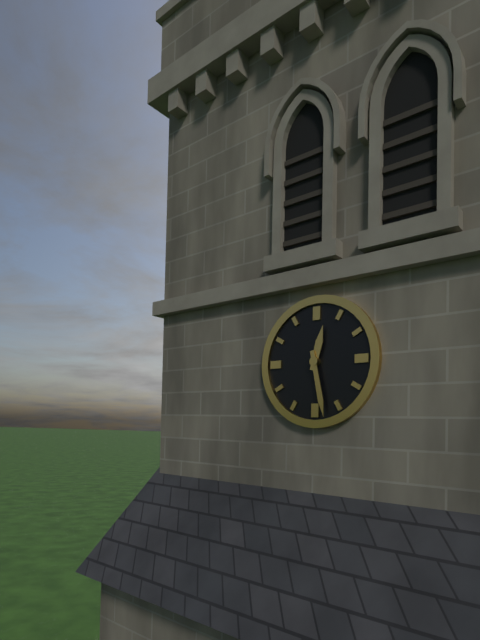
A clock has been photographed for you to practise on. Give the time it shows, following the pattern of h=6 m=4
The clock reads h=12 m=28
